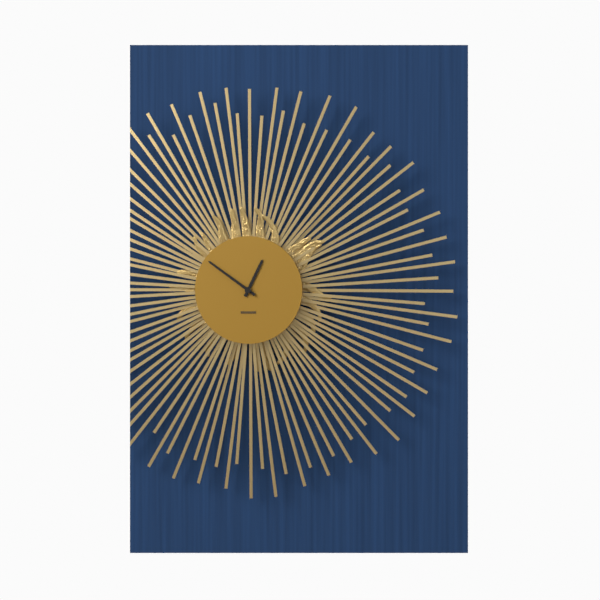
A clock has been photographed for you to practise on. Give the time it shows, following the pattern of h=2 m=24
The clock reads h=12 m=51
